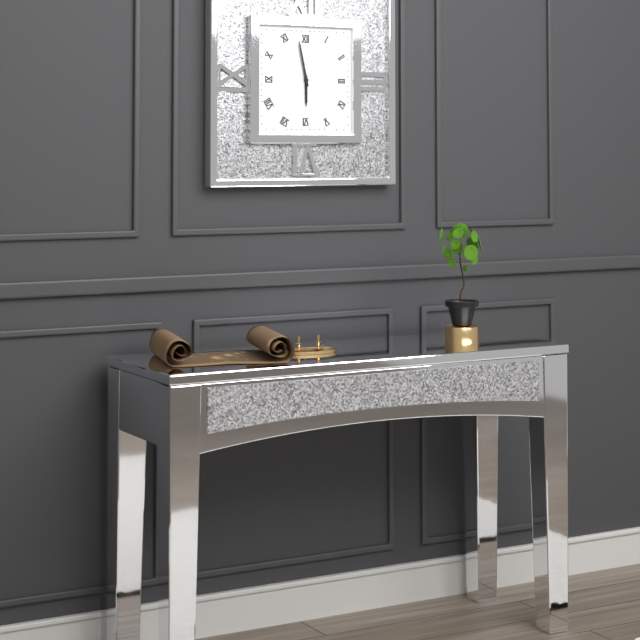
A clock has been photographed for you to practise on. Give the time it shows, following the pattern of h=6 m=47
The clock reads h=5 m=58
